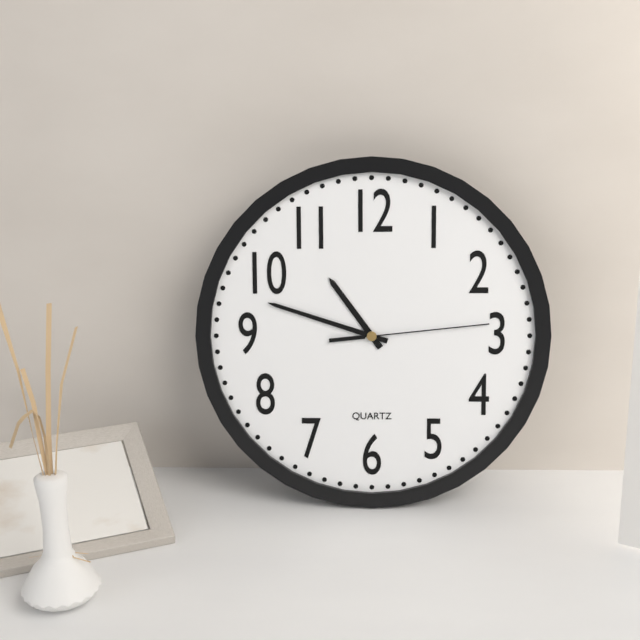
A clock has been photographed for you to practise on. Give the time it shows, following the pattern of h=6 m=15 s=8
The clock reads h=10 m=48 s=14
